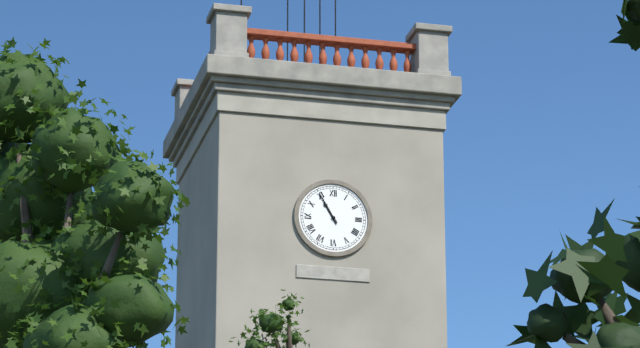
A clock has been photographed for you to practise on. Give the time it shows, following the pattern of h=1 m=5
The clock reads h=10 m=55
